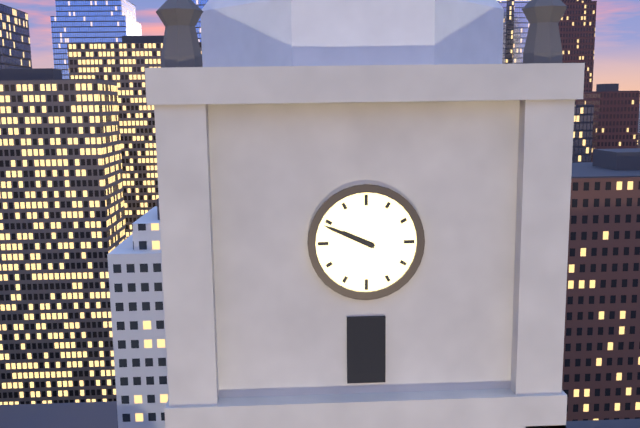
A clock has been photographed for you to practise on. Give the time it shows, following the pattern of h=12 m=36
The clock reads h=9 m=49
